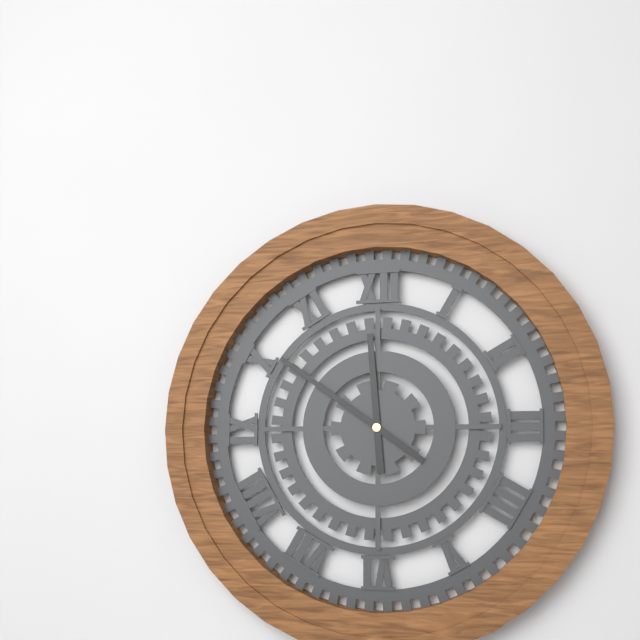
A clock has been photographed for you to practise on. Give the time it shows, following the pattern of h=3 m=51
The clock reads h=11 m=51
